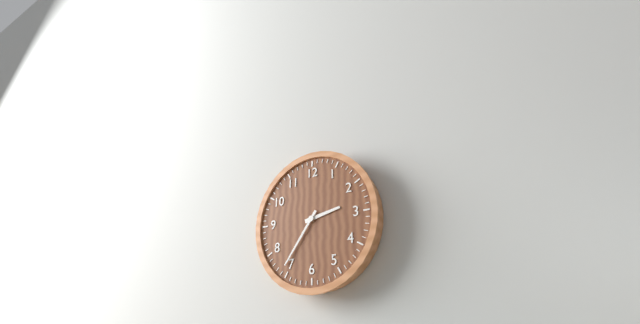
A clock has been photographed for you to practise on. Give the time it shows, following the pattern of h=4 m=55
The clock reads h=2 m=36
